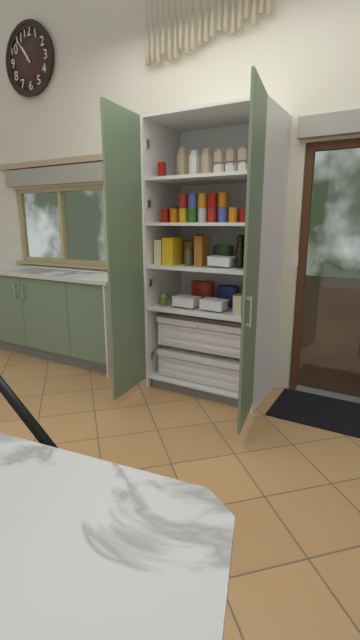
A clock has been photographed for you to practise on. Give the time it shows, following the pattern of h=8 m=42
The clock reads h=10 m=54
